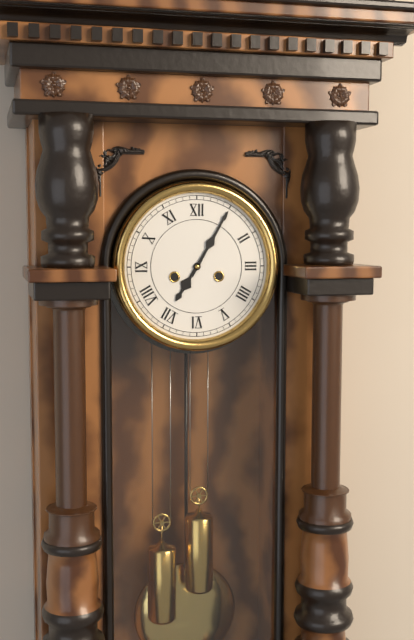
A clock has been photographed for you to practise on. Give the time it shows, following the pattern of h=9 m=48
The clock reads h=7 m=5
